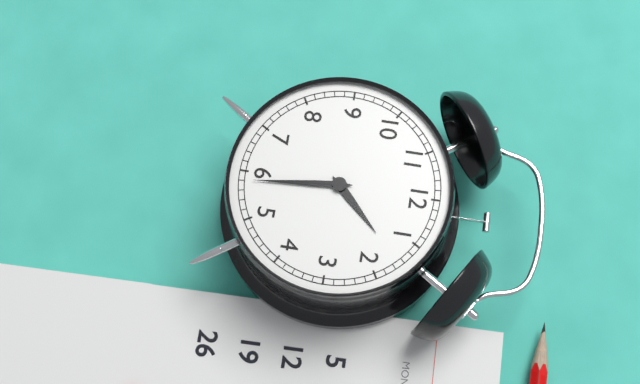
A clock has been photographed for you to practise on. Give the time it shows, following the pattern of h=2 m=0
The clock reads h=1 m=29
